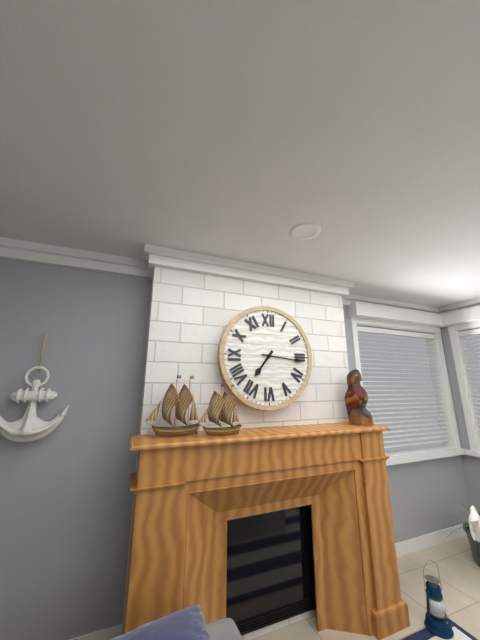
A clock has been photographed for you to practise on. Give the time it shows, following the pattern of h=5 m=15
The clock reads h=7 m=16
